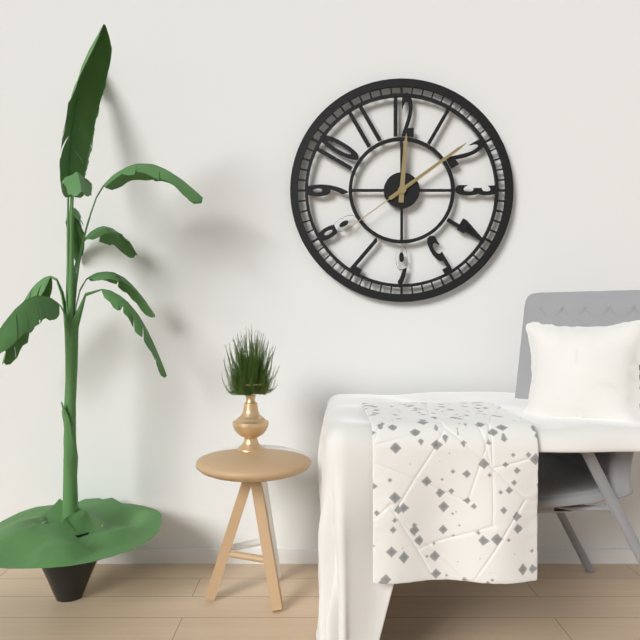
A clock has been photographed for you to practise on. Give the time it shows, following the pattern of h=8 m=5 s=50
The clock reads h=12 m=9 s=39
